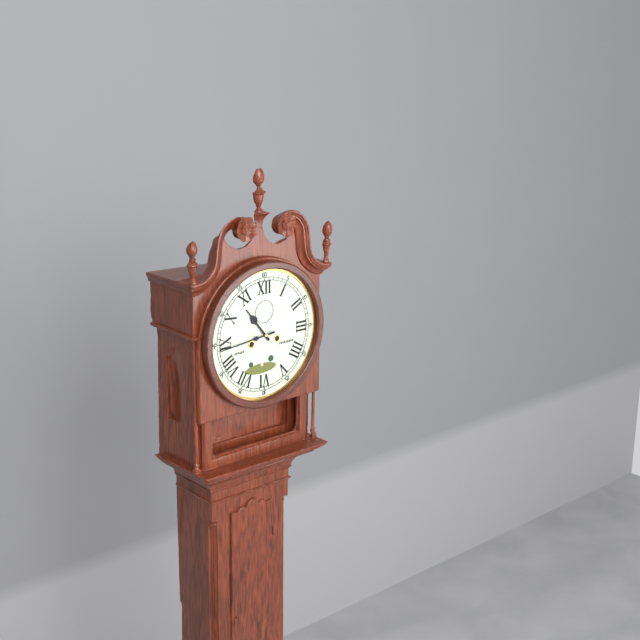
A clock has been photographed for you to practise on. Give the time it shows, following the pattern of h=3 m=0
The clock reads h=10 m=44
